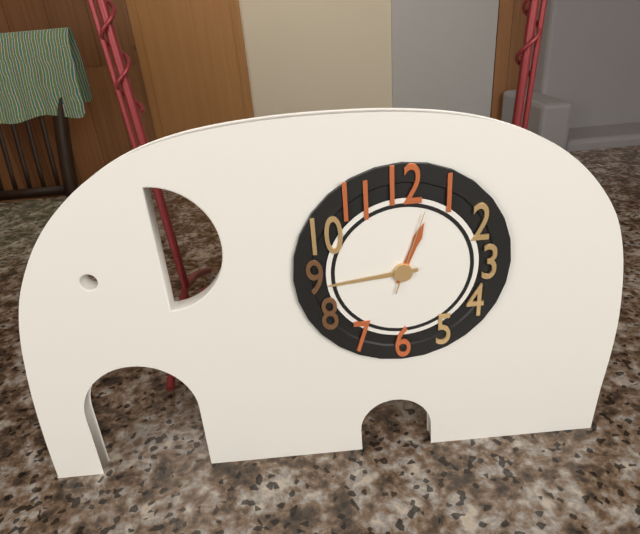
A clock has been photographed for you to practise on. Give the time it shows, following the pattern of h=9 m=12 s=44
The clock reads h=12 m=44 s=3
